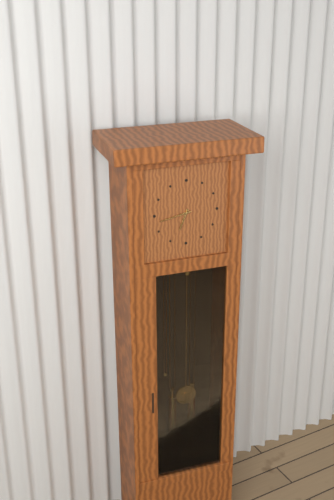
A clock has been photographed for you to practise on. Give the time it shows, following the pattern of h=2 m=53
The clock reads h=6 m=43
